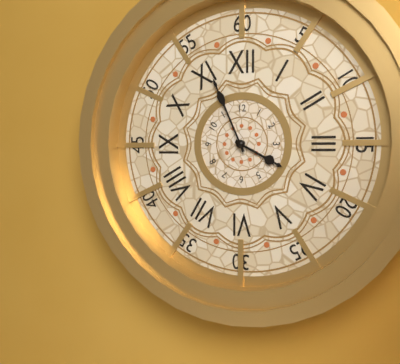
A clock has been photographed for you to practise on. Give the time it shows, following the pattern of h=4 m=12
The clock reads h=3 m=56
